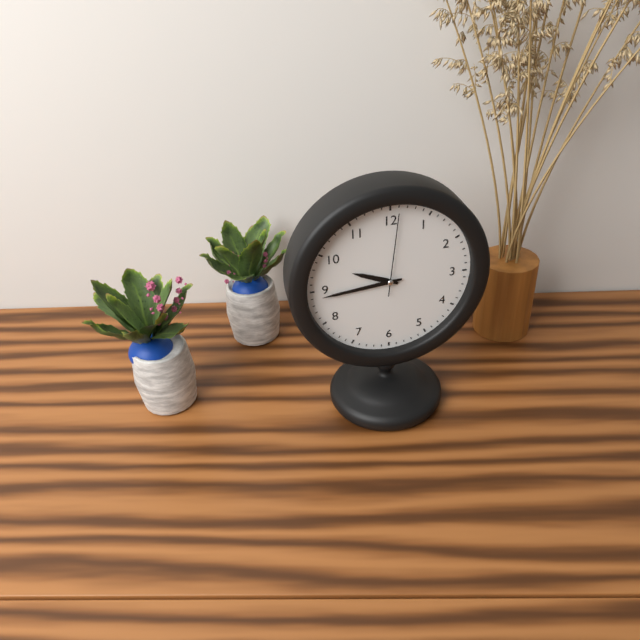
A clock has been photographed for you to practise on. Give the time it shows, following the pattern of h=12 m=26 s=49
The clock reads h=9 m=44 s=1
